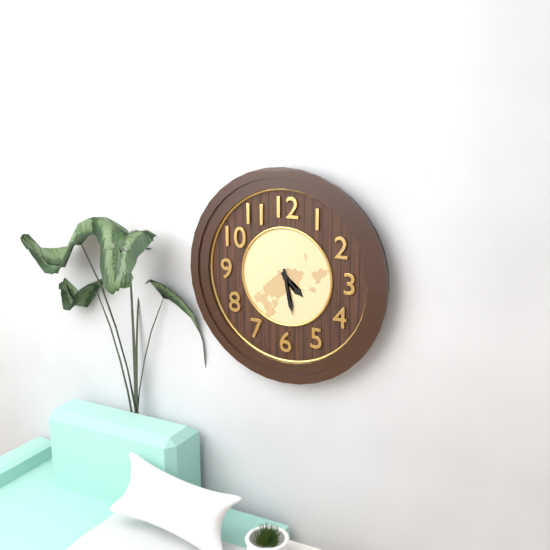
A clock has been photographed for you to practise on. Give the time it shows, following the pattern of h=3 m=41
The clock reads h=4 m=28
